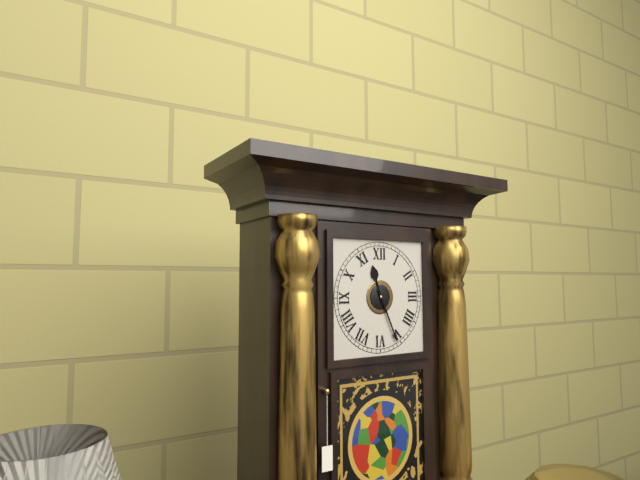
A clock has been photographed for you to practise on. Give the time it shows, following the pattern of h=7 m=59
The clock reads h=11 m=26
